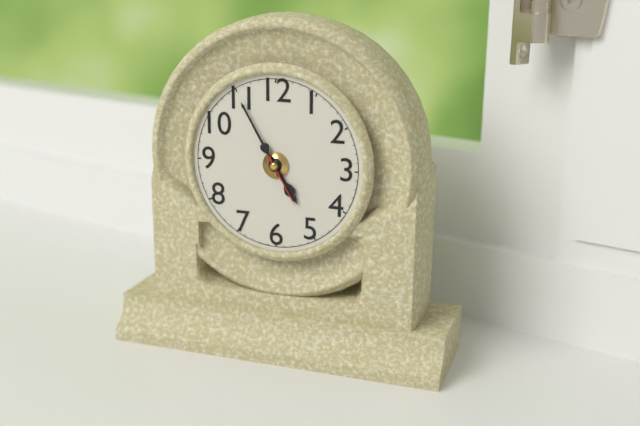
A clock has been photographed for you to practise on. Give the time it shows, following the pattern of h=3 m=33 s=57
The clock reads h=4 m=55 s=25
